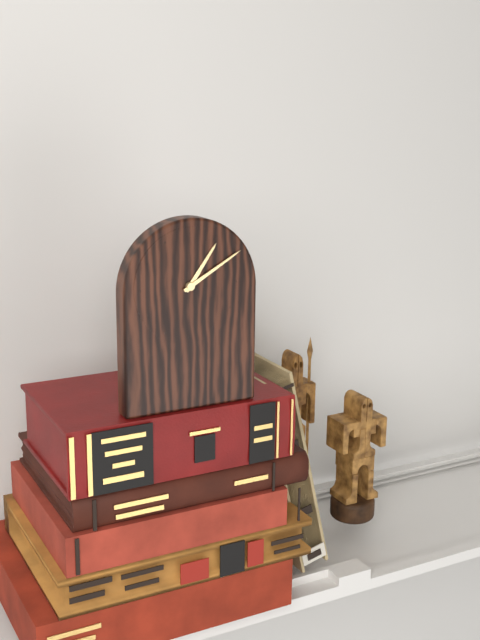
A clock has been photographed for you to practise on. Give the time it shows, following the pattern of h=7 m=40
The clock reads h=1 m=10
